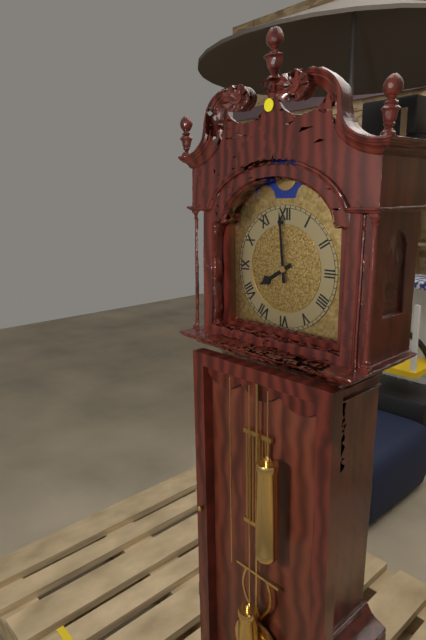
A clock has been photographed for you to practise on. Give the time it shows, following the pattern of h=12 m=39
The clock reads h=7 m=59
